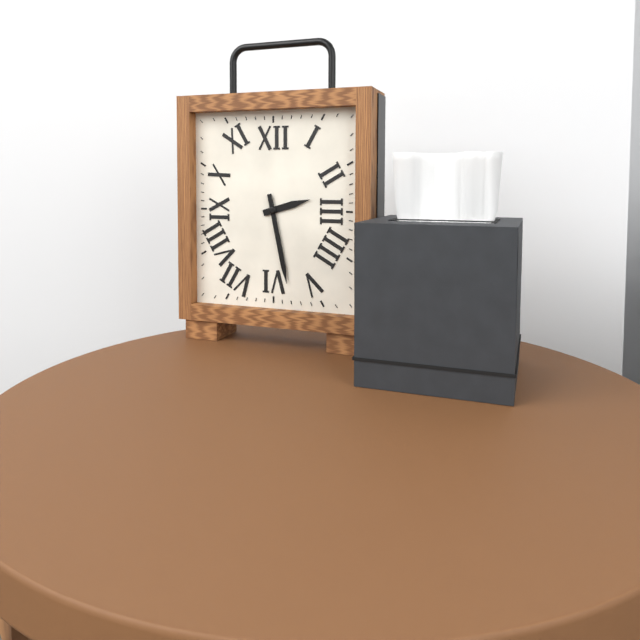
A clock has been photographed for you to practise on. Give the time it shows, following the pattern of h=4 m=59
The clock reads h=2 m=28
